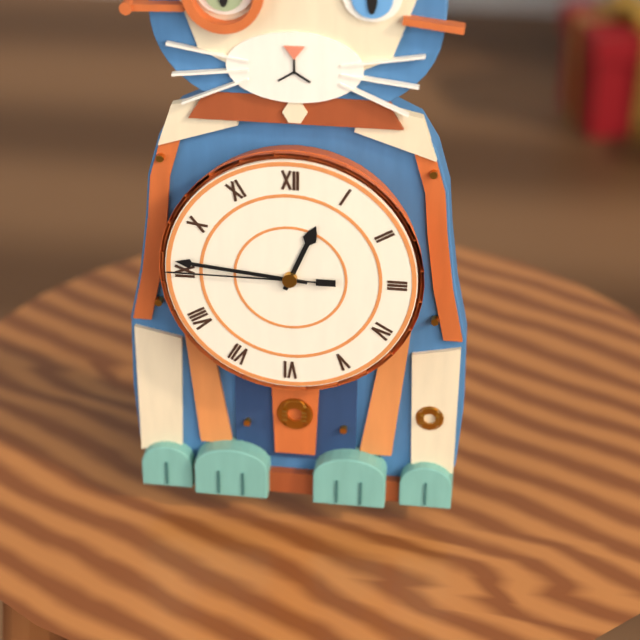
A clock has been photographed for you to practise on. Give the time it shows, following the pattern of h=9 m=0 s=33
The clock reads h=12 m=46 s=45
